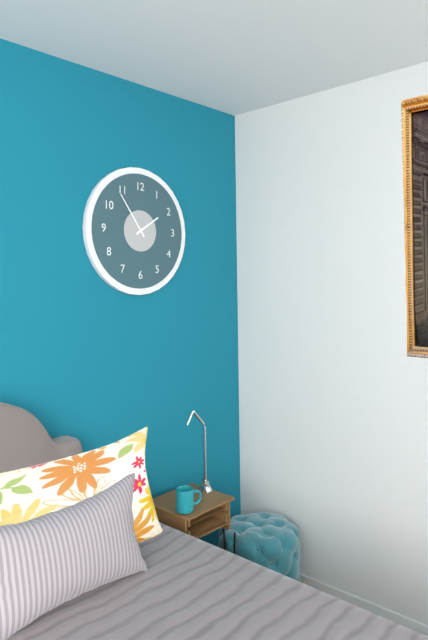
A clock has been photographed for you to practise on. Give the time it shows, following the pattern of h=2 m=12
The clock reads h=1 m=54
